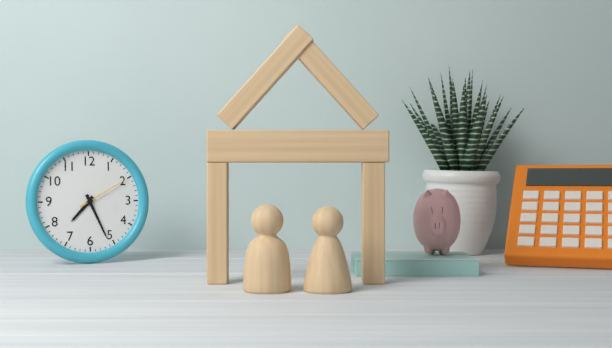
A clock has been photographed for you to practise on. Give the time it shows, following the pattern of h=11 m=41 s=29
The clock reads h=7 m=26 s=10
